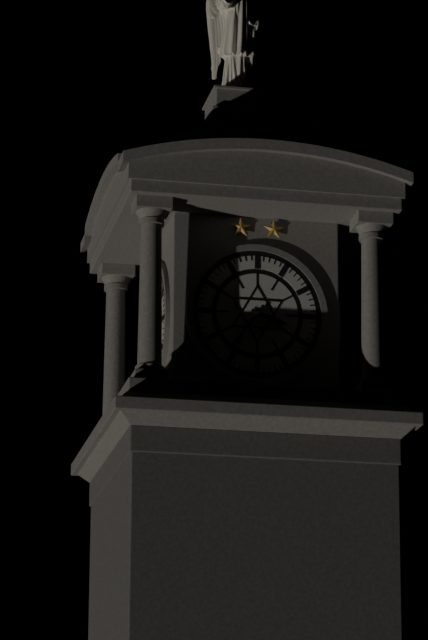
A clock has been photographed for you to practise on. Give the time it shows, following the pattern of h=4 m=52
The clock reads h=3 m=36
